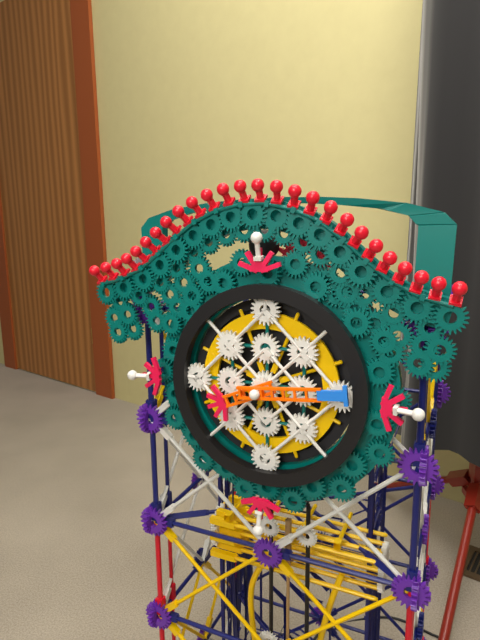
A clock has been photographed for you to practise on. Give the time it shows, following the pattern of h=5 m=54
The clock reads h=8 m=14
